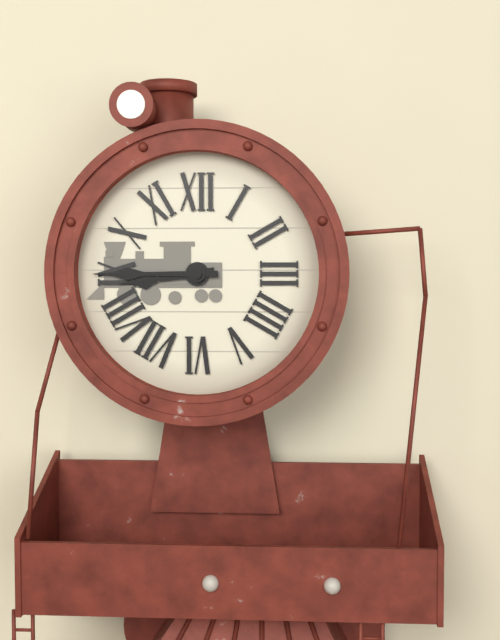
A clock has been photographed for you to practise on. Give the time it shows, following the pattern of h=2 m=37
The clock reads h=8 m=45
